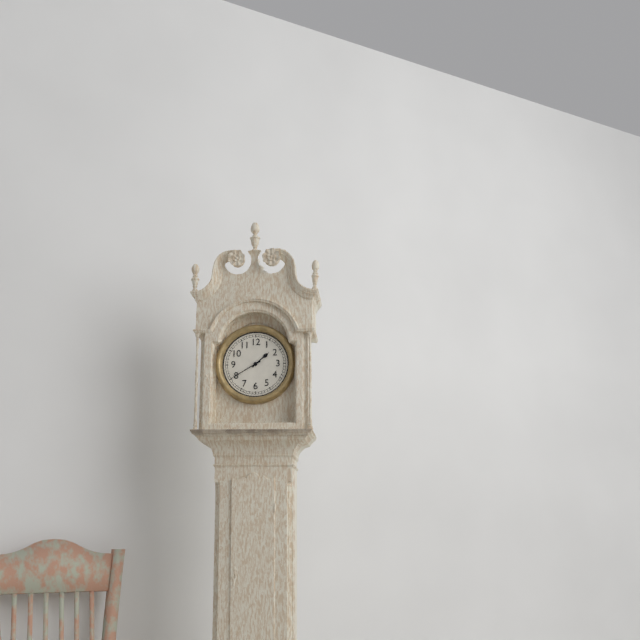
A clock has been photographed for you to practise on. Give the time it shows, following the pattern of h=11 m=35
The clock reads h=1 m=40
